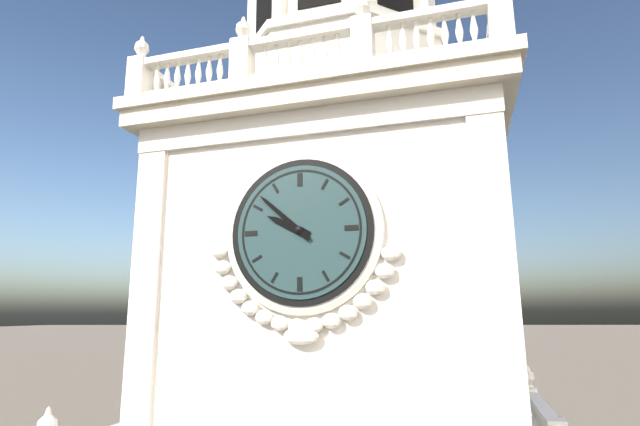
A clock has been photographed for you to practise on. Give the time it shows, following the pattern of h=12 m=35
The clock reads h=9 m=52
